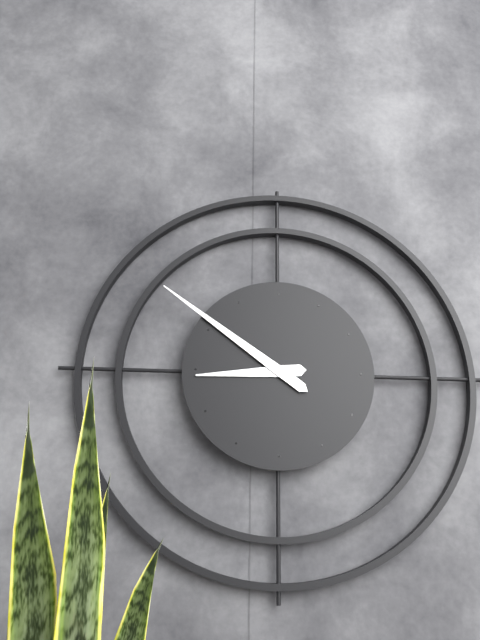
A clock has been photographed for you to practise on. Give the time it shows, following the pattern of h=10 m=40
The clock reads h=8 m=51
